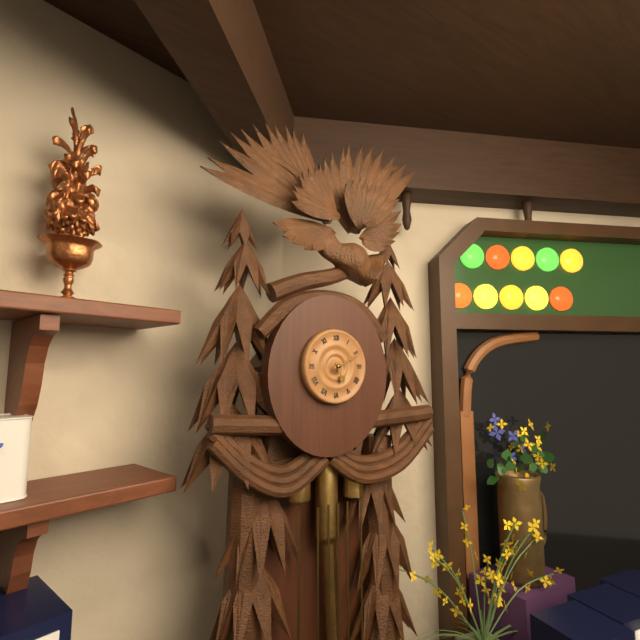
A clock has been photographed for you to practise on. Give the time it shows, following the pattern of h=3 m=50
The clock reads h=5 m=11
